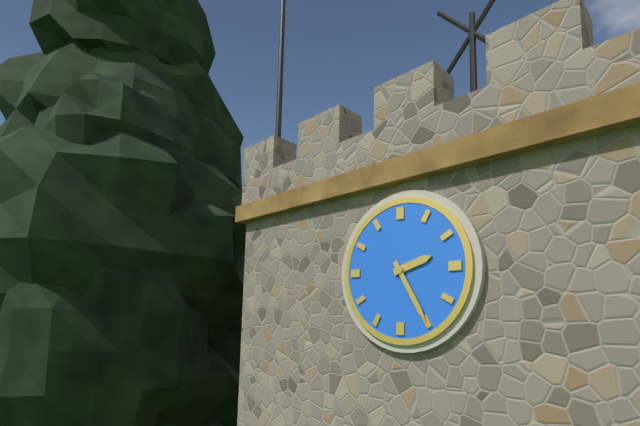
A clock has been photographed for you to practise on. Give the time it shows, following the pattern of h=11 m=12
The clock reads h=2 m=25
